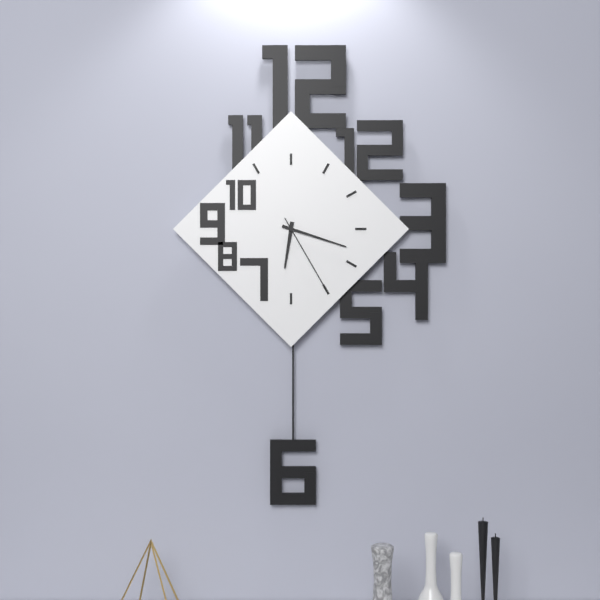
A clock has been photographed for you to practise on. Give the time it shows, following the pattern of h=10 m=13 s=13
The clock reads h=6 m=18 s=25
